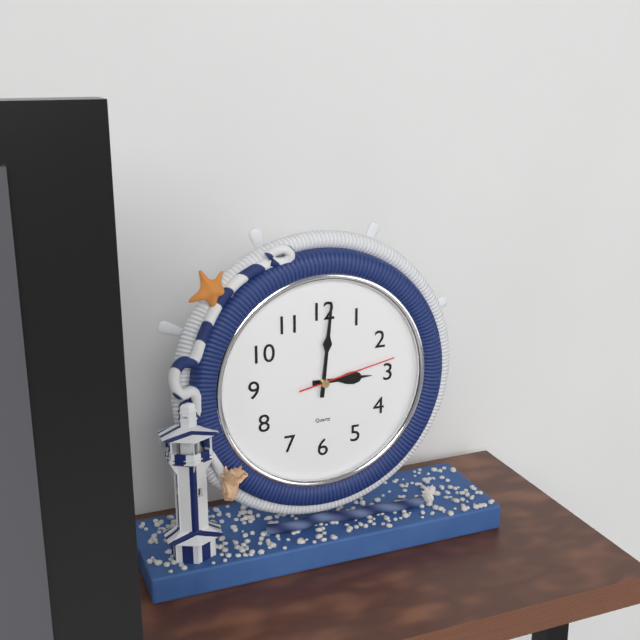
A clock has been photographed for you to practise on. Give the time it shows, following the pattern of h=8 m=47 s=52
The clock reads h=3 m=1 s=13
